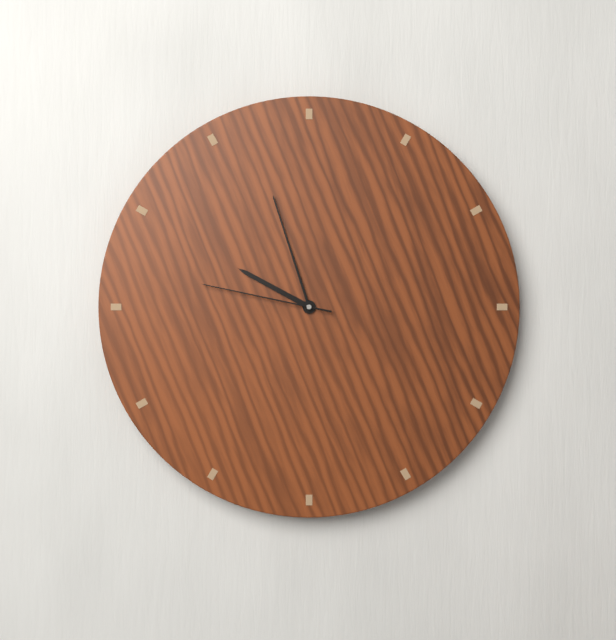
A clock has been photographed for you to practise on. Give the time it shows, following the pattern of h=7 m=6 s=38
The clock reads h=9 m=57 s=47
